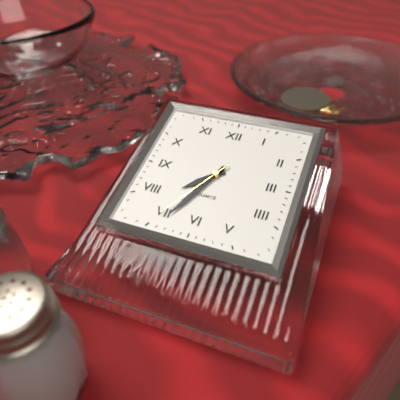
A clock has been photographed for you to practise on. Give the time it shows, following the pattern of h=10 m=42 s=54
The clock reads h=7 m=34 s=35
